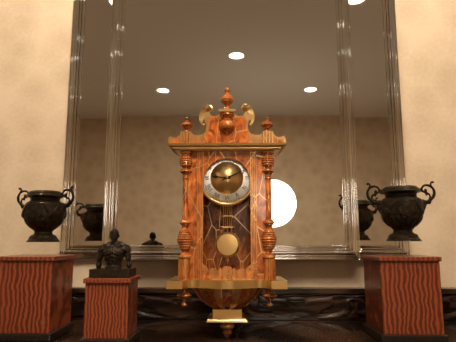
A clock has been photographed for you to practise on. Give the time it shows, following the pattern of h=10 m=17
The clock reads h=9 m=11
